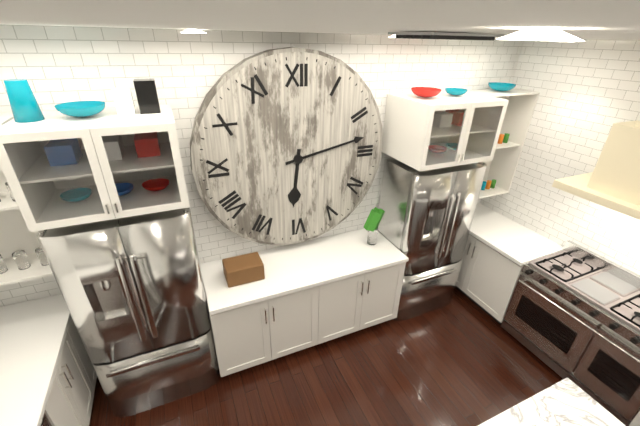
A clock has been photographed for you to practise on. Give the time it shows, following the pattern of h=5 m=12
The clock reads h=6 m=13
